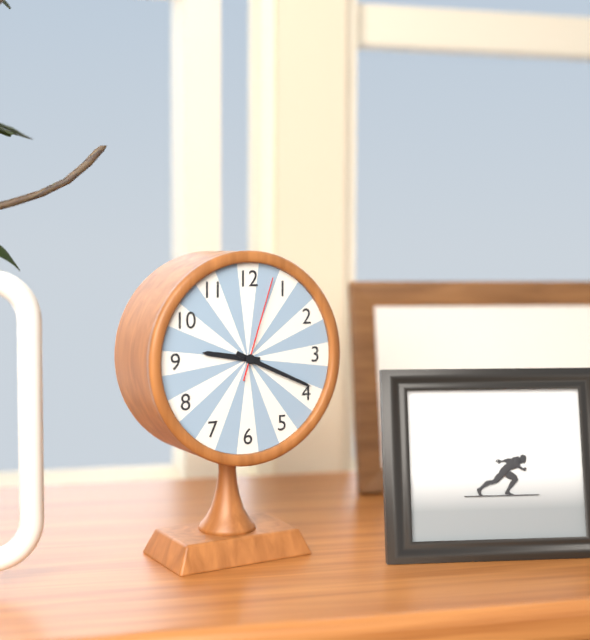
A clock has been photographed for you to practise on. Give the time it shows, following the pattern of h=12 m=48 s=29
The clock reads h=9 m=19 s=3
